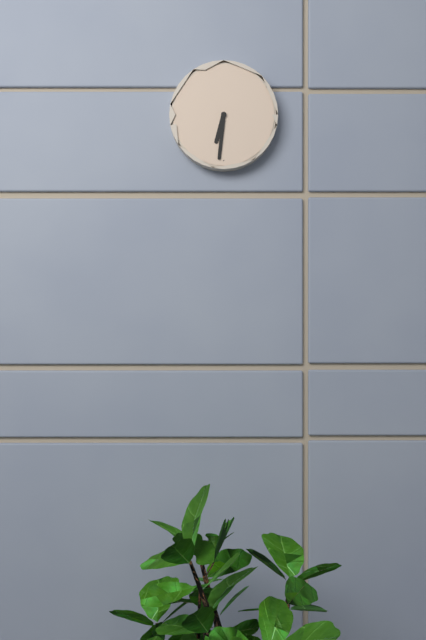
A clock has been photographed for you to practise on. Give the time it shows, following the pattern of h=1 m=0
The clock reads h=6 m=31
